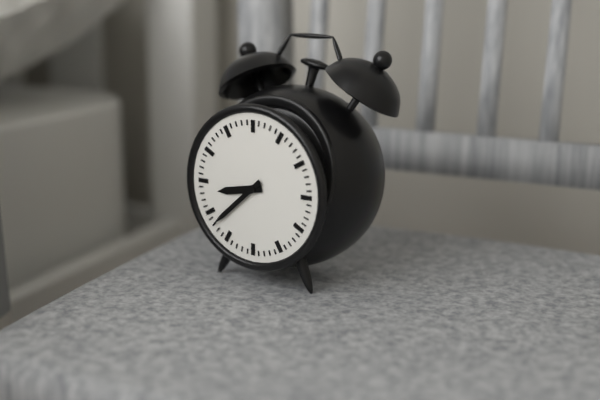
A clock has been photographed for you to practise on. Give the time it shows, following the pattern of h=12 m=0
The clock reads h=8 m=38
